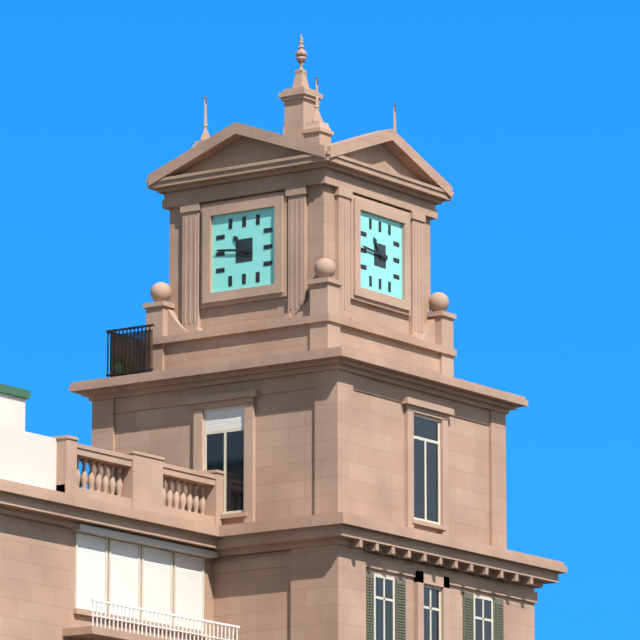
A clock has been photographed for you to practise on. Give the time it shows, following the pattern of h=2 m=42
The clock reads h=10 m=46
